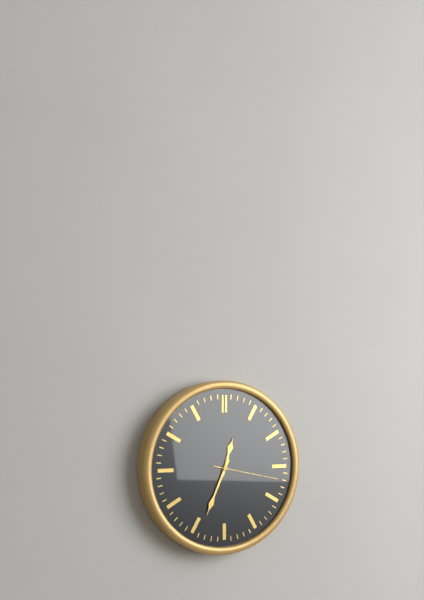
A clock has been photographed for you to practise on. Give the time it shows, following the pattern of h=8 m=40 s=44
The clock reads h=12 m=34 s=17
